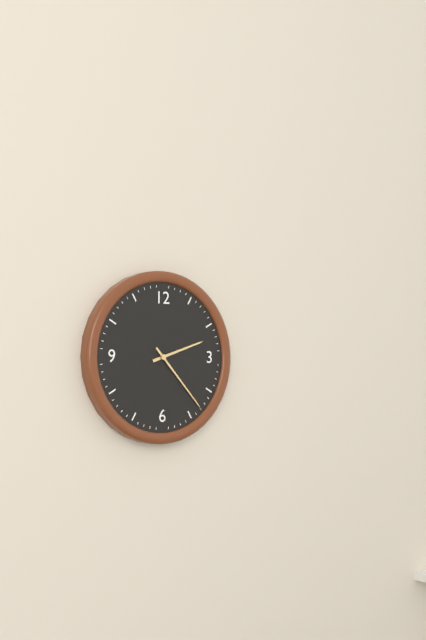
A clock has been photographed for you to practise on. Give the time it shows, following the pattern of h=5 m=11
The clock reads h=2 m=23
